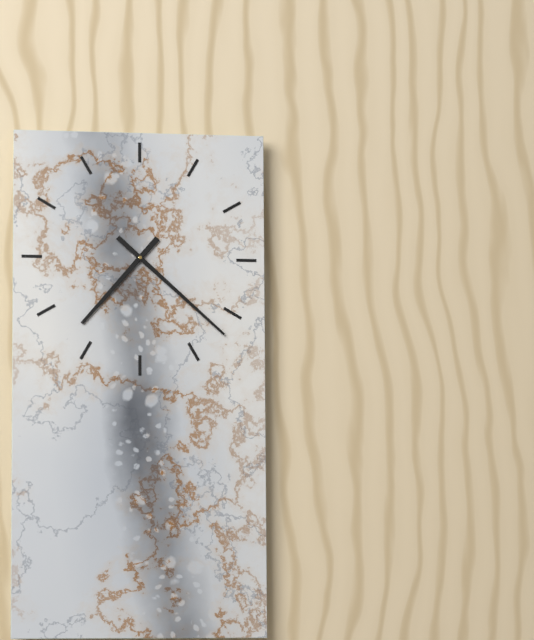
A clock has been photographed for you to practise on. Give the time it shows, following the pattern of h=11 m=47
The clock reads h=7 m=22
